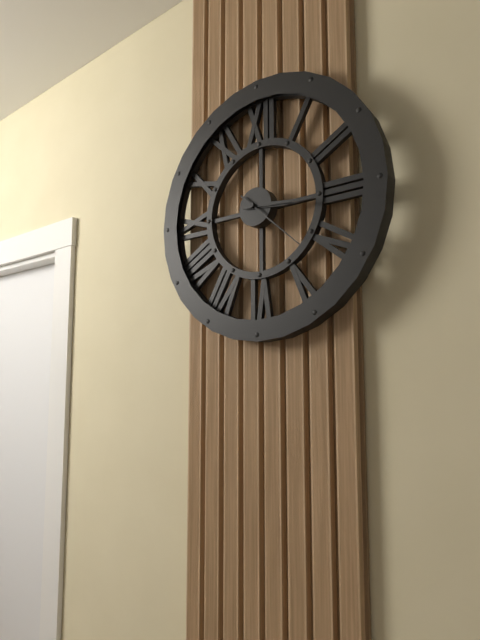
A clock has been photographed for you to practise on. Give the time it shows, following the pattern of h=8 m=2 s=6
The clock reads h=3 m=16 s=22
